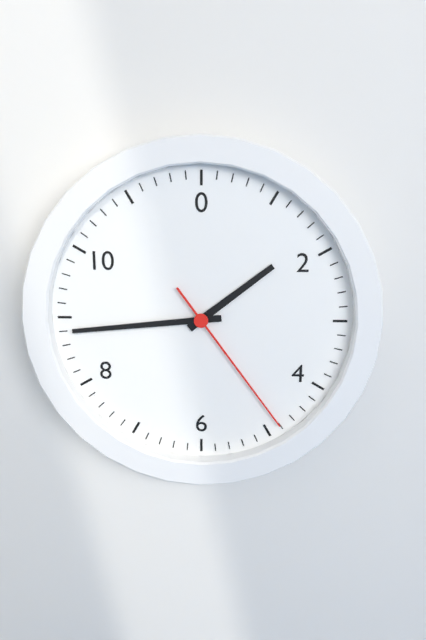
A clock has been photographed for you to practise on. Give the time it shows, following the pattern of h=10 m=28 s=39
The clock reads h=1 m=44 s=24
